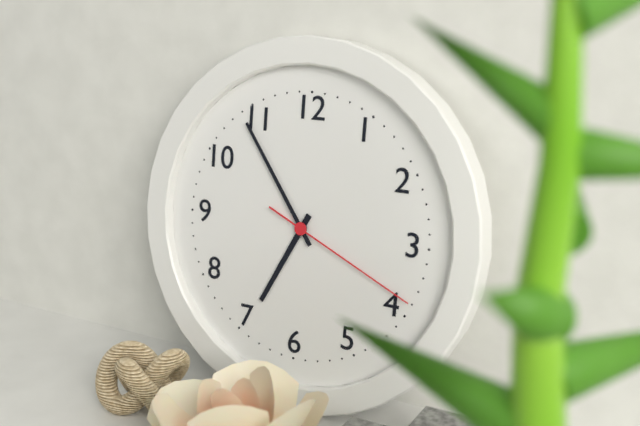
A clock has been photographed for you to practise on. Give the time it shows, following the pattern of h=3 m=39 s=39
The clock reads h=6 m=54 s=19
